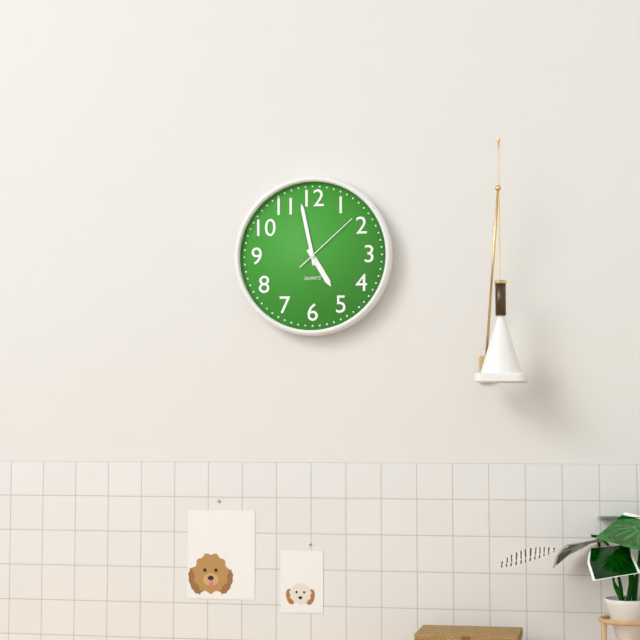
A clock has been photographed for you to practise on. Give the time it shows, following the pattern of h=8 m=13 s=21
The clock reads h=4 m=58 s=8
